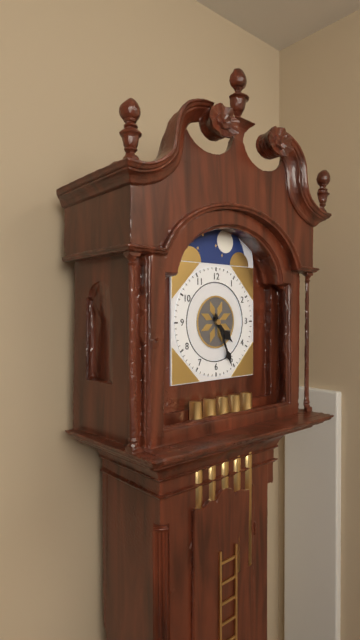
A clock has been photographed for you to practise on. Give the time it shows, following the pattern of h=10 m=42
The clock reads h=4 m=26
